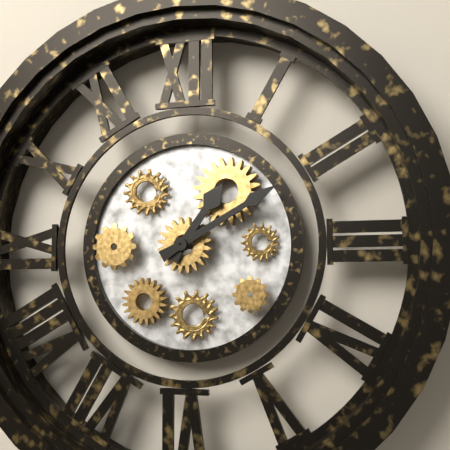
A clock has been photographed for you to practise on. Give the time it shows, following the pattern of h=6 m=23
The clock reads h=1 m=10
